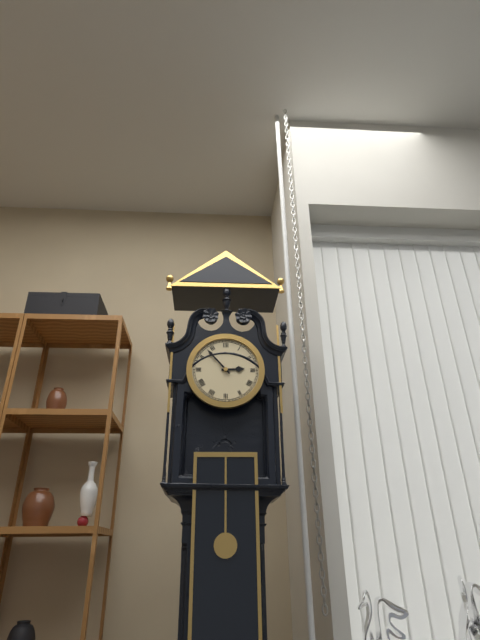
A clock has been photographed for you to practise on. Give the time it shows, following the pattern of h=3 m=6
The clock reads h=2 m=53
